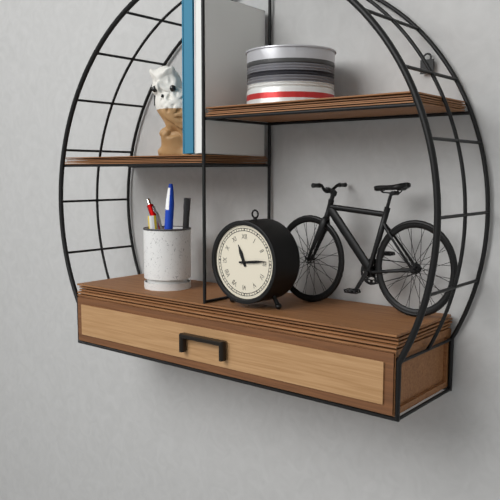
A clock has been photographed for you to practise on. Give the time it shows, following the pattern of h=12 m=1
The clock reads h=11 m=14
